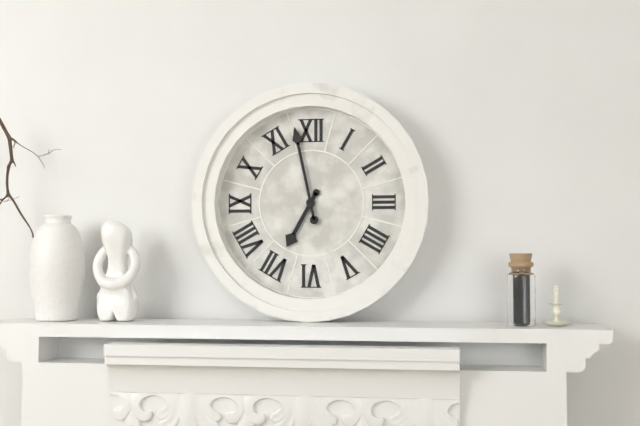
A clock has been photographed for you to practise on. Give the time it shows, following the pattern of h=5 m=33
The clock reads h=6 m=58
